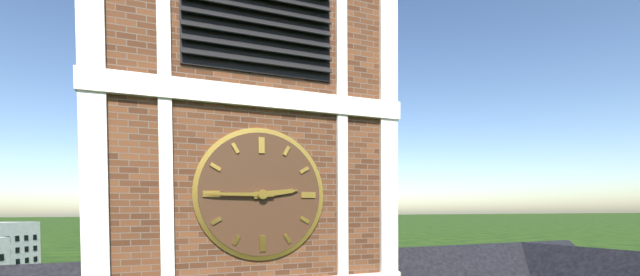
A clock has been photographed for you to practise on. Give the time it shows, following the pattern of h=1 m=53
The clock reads h=2 m=45
